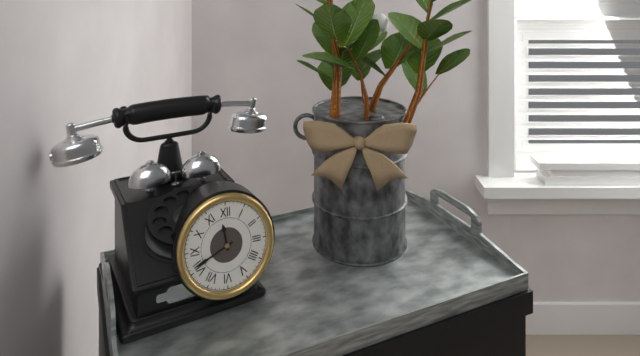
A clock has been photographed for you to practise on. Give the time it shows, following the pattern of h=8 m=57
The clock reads h=11 m=41
